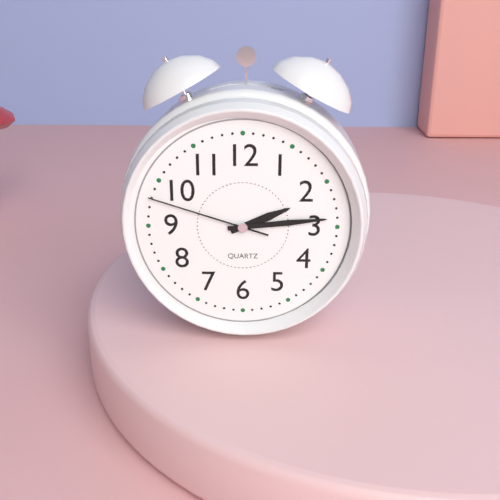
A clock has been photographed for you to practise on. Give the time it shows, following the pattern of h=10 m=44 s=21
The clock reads h=2 m=14 s=48
